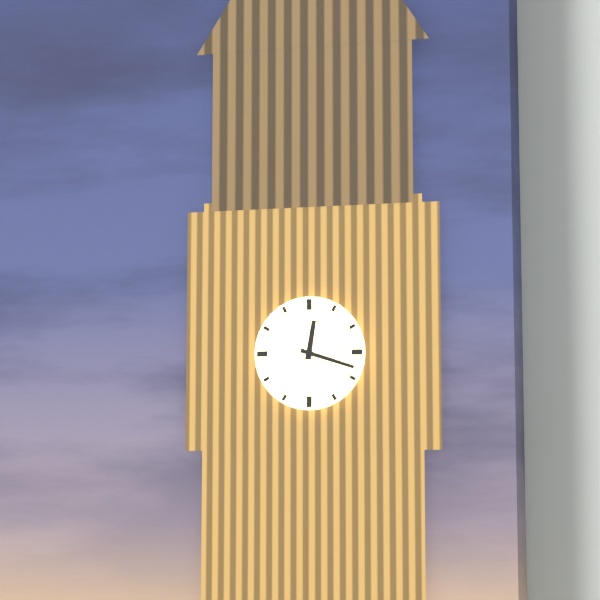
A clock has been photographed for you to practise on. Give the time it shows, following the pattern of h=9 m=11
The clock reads h=12 m=18
